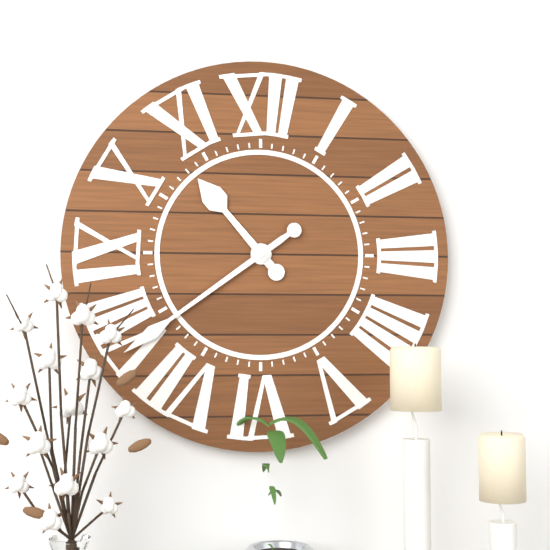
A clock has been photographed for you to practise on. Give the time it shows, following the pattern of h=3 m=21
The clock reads h=10 m=39
